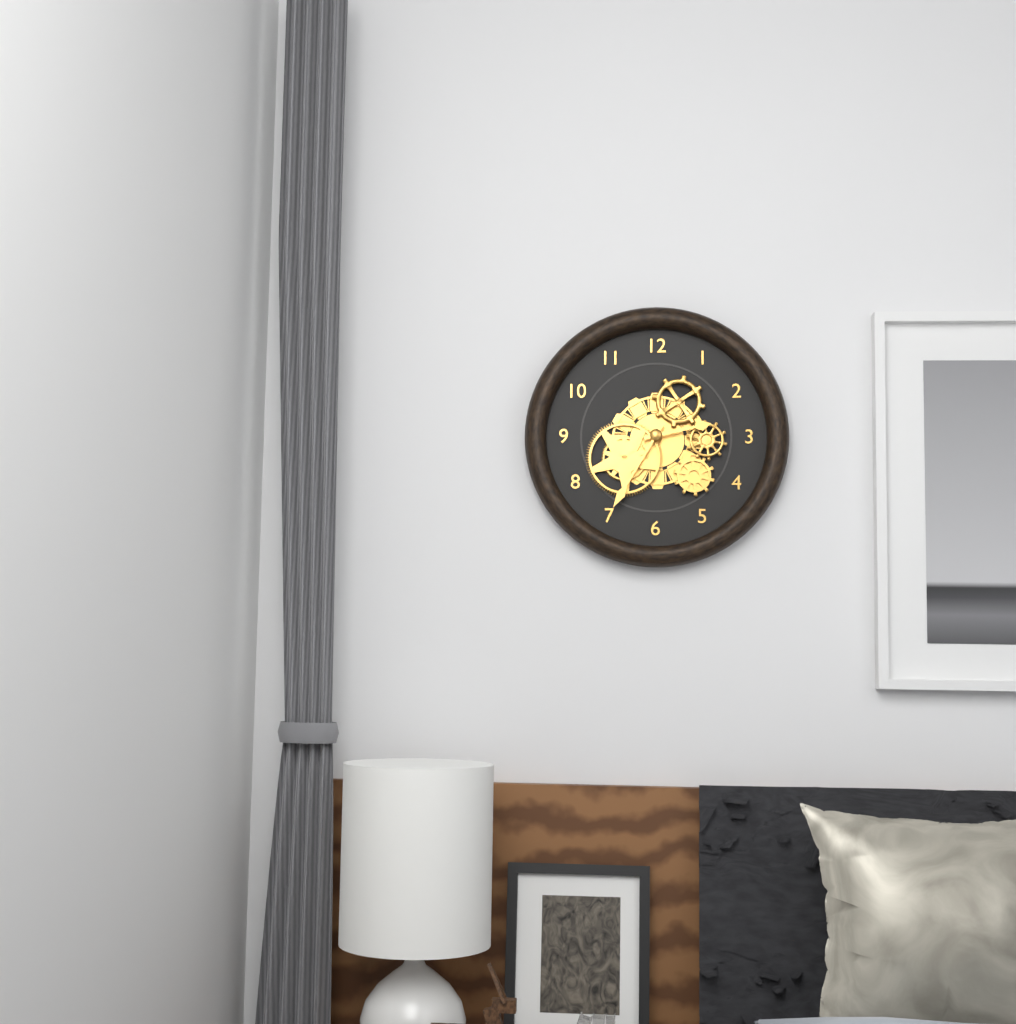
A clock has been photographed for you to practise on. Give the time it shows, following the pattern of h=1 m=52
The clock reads h=2 m=35
